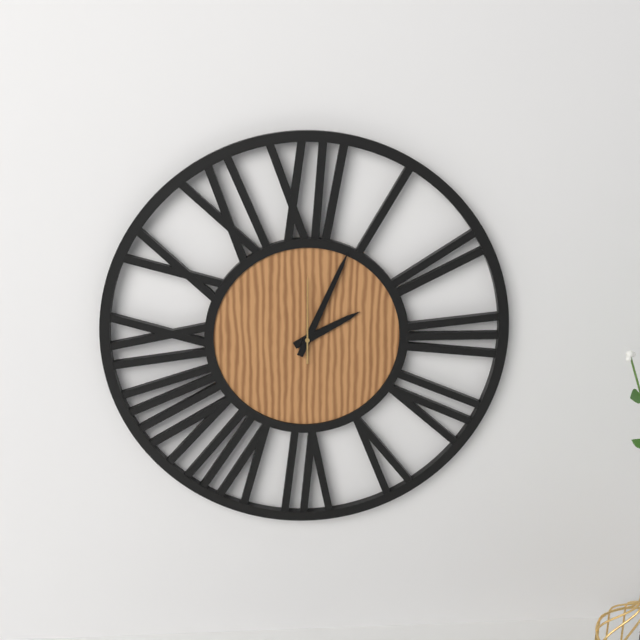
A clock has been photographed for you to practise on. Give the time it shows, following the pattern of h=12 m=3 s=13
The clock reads h=2 m=4 s=0
